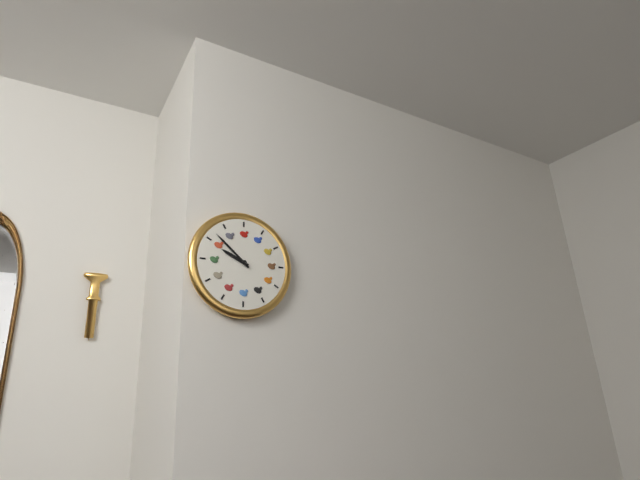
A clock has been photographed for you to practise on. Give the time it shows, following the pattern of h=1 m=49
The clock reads h=9 m=52
